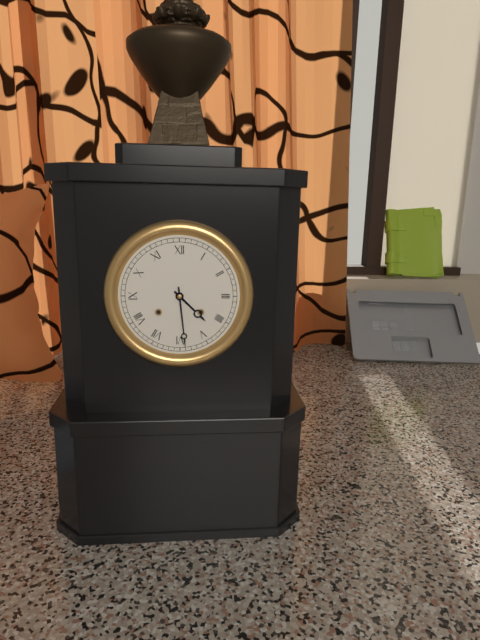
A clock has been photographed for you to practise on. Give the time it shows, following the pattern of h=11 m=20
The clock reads h=4 m=29
